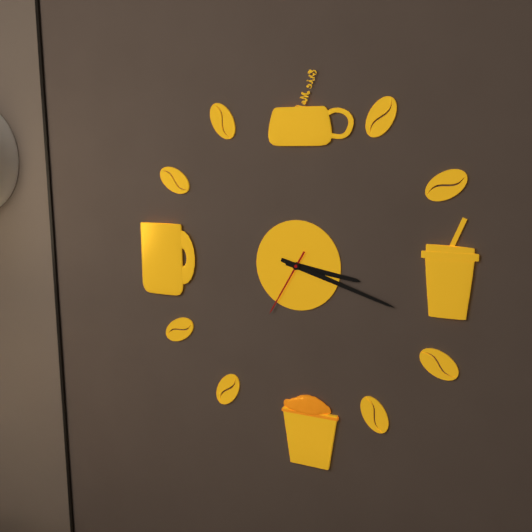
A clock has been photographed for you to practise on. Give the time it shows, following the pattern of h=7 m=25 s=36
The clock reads h=3 m=18 s=35
